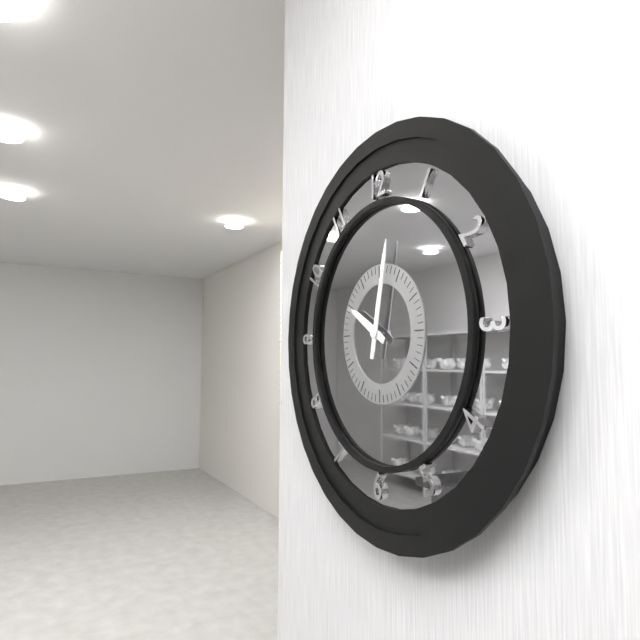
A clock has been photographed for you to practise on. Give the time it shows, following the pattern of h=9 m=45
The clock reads h=10 m=2
